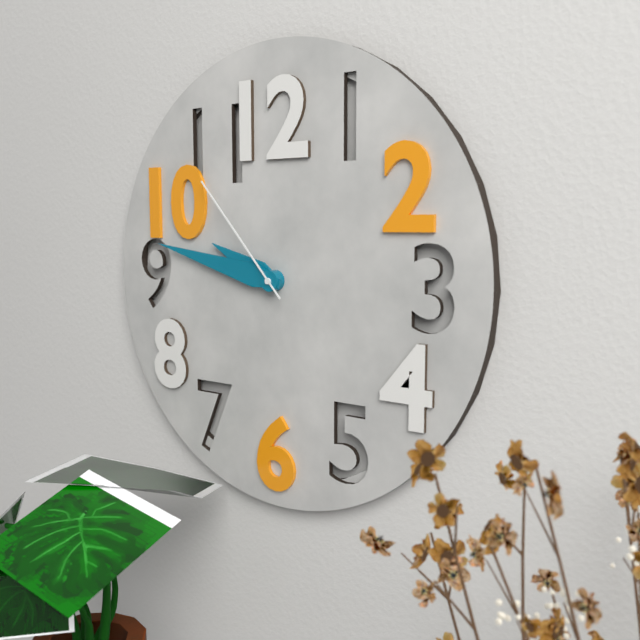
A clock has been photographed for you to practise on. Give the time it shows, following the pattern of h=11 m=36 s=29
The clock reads h=9 m=47 s=53
